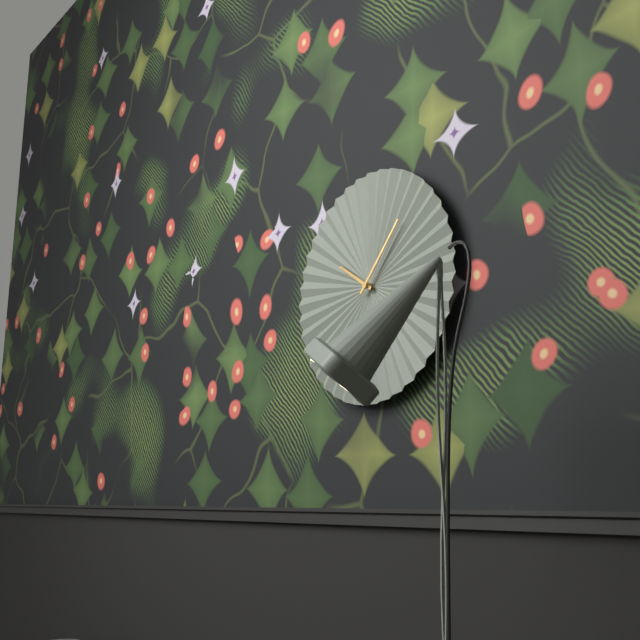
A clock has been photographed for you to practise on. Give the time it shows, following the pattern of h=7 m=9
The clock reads h=10 m=7
